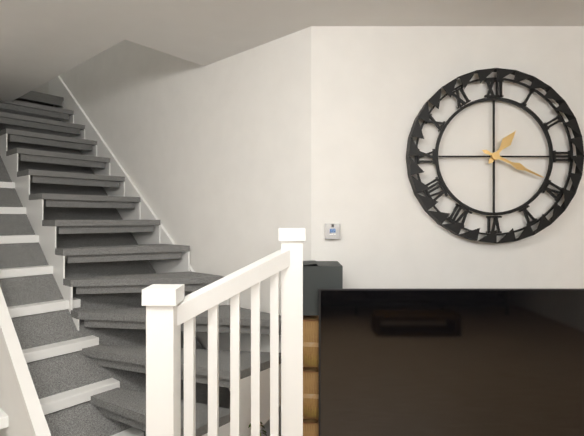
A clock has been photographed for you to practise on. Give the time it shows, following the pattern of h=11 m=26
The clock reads h=1 m=19
